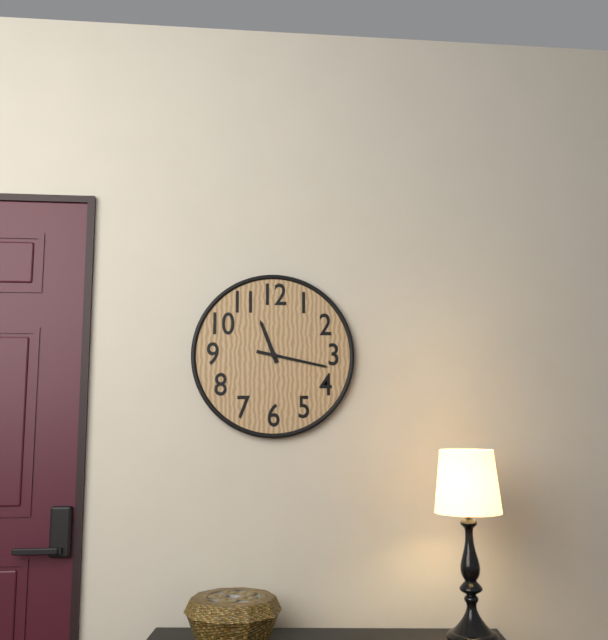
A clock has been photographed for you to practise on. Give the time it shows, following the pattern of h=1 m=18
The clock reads h=11 m=17
